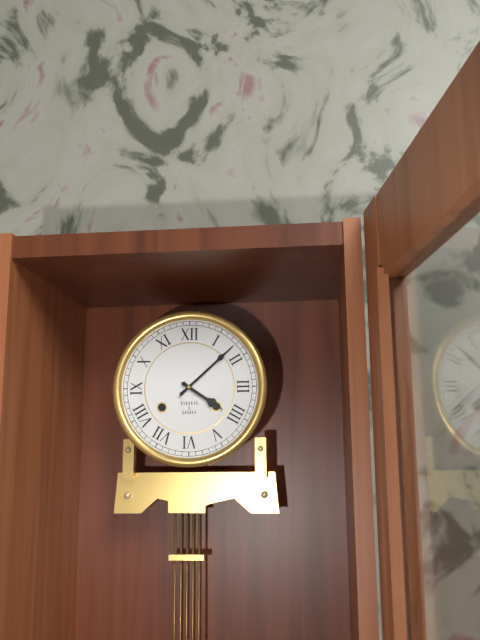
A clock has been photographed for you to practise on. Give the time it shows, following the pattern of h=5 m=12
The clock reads h=4 m=8
